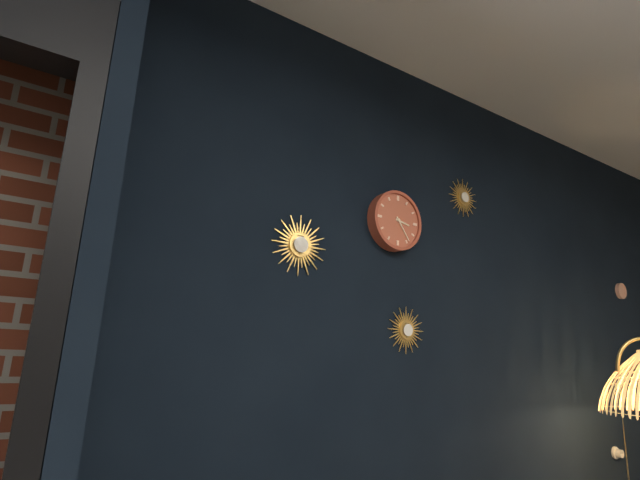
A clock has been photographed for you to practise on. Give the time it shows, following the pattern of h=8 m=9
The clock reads h=3 m=24
